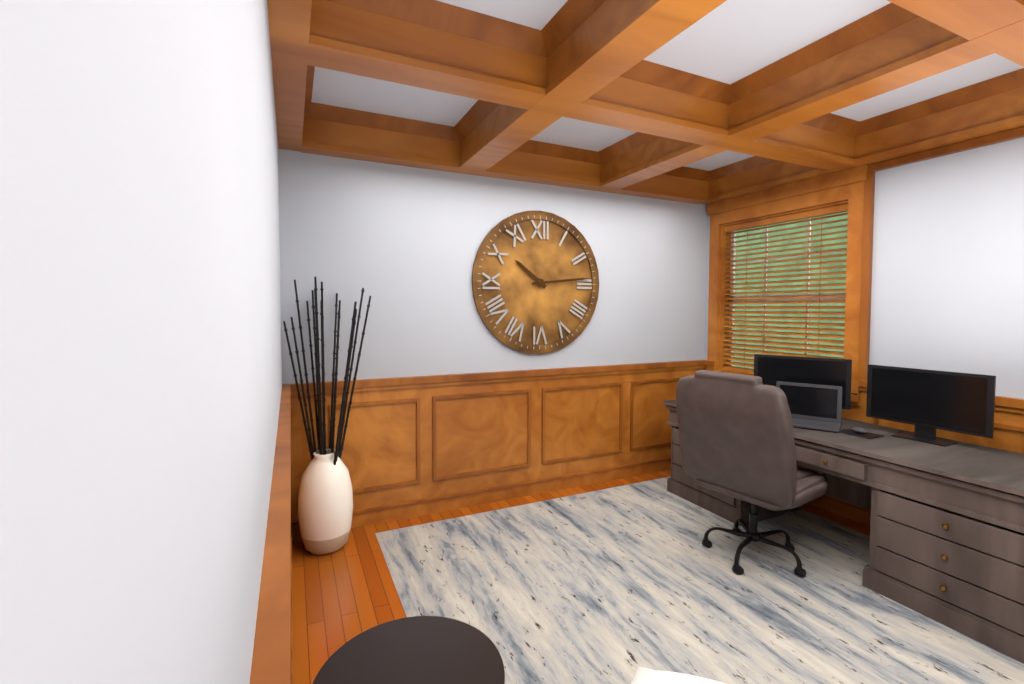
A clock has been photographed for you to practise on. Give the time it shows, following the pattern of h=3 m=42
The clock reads h=10 m=14
